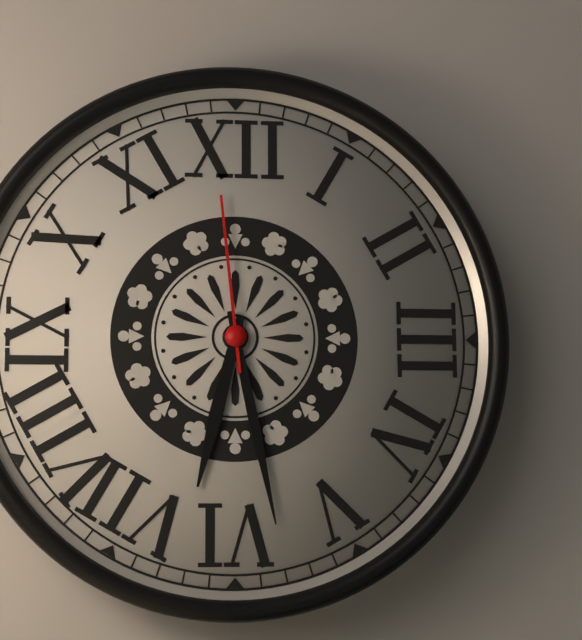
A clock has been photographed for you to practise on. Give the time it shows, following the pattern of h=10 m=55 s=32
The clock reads h=6 m=28 s=59
